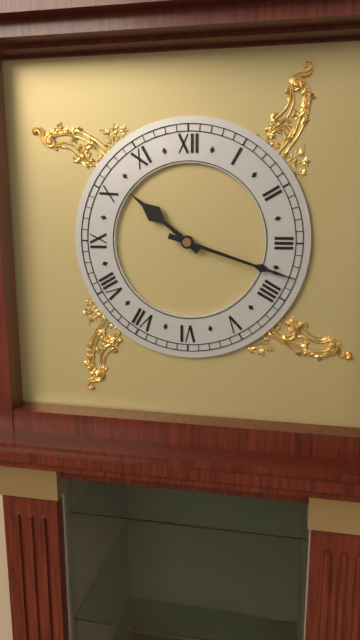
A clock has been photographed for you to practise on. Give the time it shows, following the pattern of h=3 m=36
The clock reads h=10 m=18
